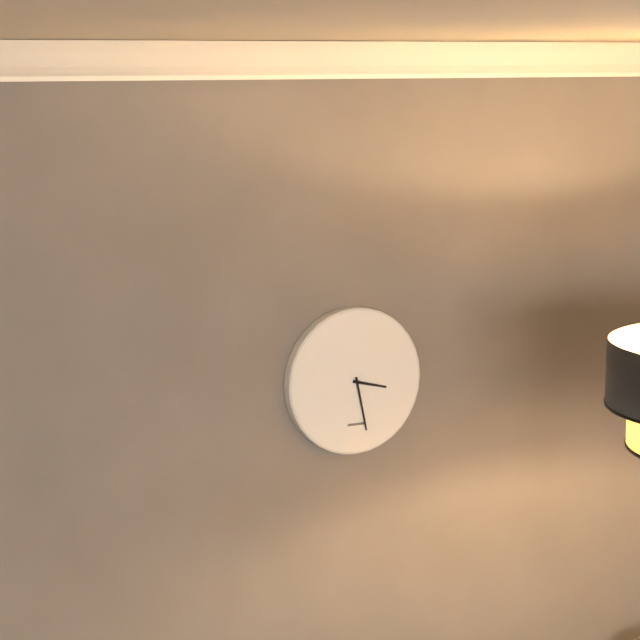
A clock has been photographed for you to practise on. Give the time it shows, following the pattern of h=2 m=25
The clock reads h=3 m=28
